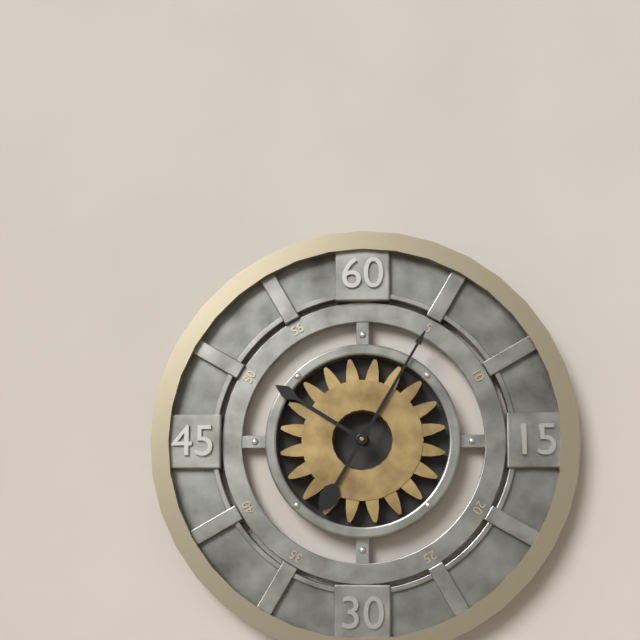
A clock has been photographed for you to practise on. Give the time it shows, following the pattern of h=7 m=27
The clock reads h=10 m=5
